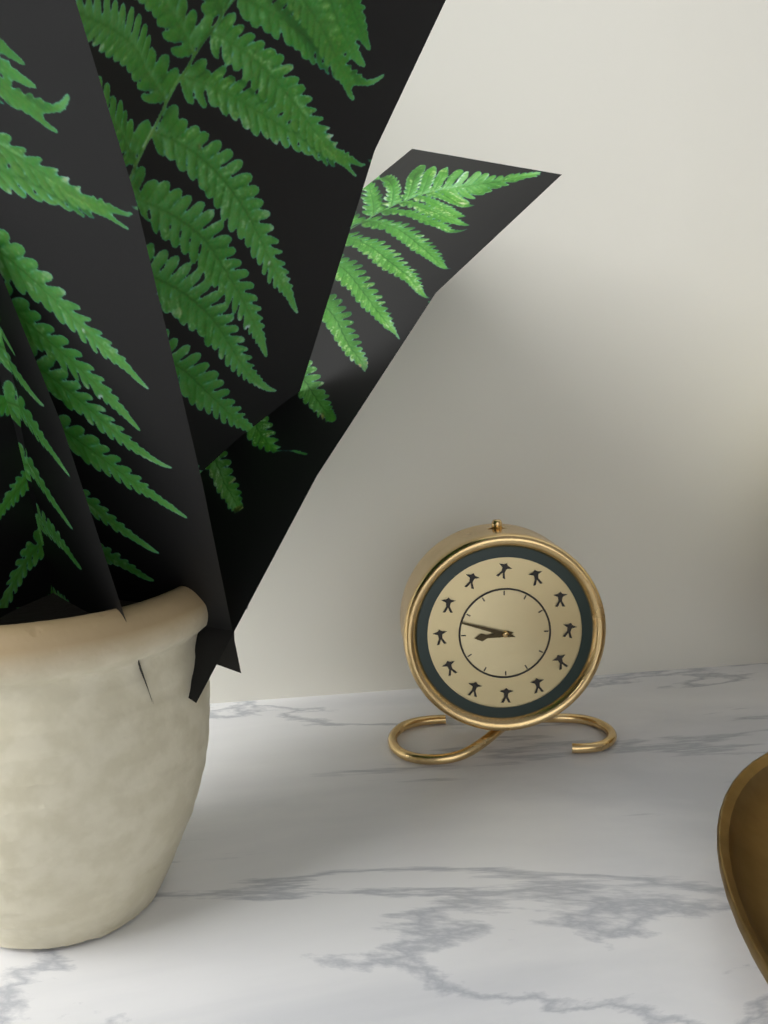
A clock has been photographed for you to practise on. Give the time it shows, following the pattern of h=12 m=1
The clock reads h=8 m=48
